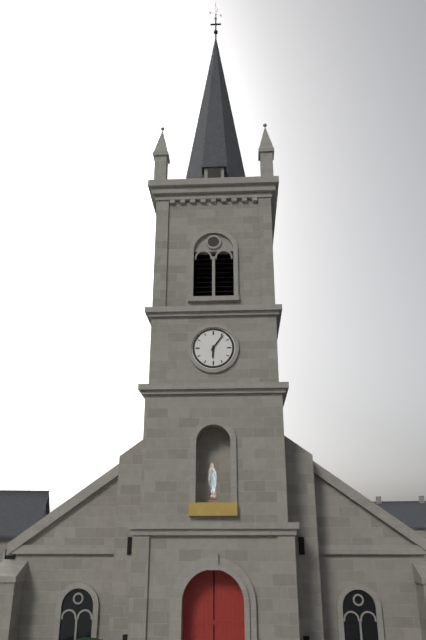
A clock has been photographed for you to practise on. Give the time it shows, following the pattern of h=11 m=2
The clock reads h=6 m=6
